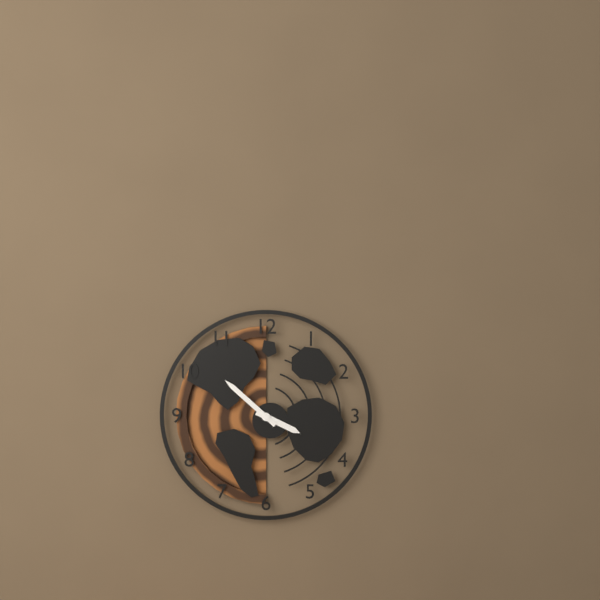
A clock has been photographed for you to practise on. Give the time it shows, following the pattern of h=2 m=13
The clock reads h=3 m=52
